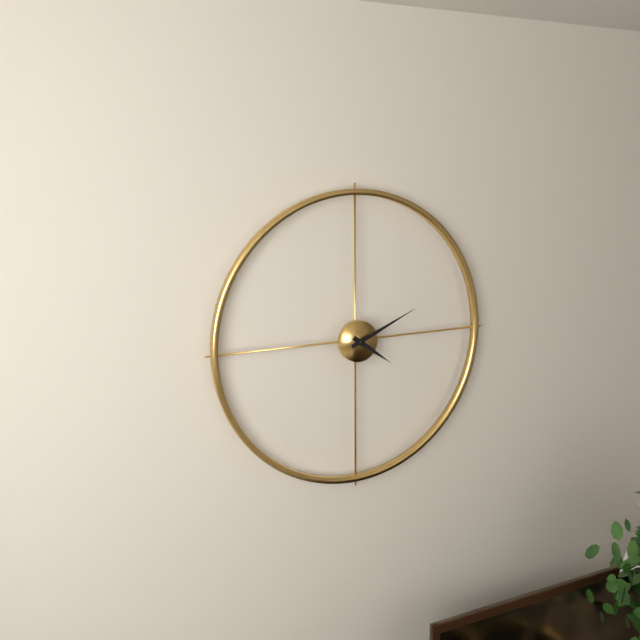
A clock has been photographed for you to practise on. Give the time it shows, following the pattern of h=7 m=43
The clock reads h=4 m=11
